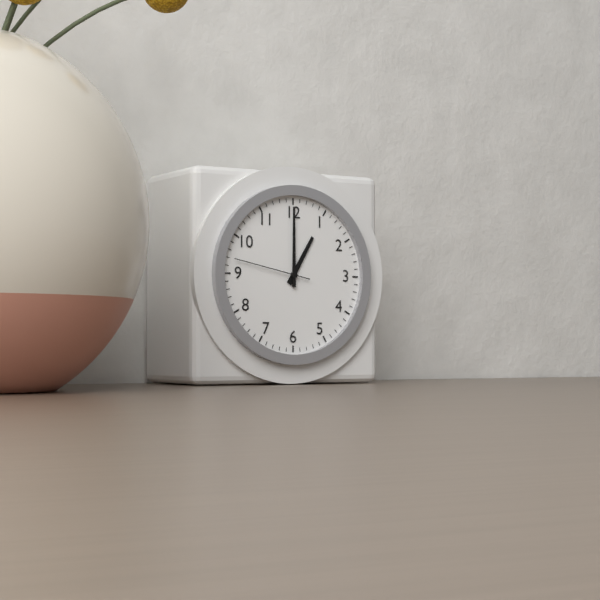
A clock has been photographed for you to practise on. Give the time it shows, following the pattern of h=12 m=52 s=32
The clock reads h=1 m=0 s=47
